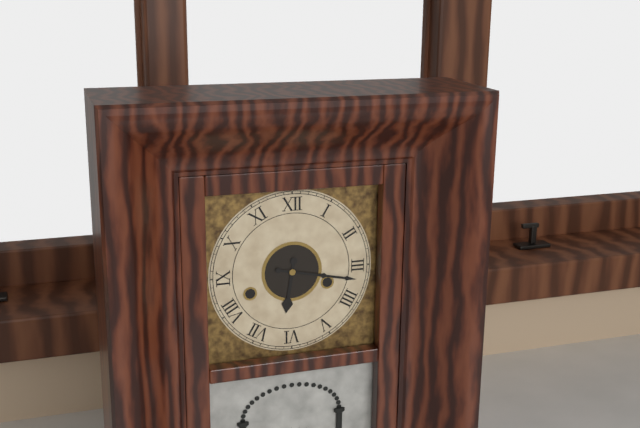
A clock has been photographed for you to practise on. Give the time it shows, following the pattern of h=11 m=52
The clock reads h=6 m=17
